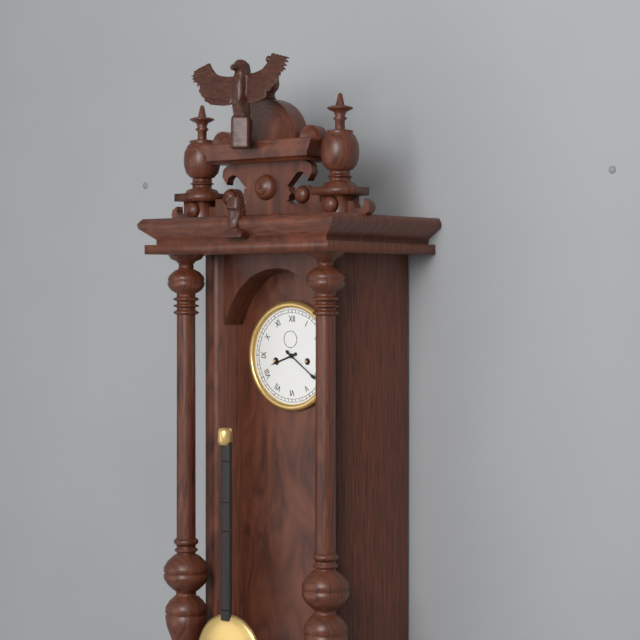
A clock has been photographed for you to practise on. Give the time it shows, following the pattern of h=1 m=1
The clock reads h=8 m=21
